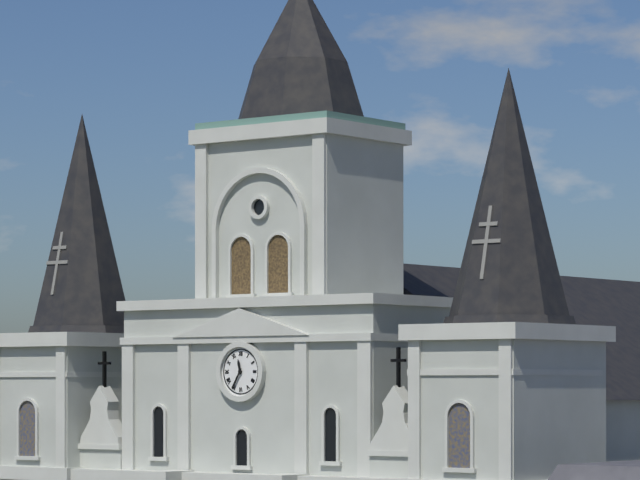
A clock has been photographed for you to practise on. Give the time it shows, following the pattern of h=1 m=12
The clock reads h=11 m=35
